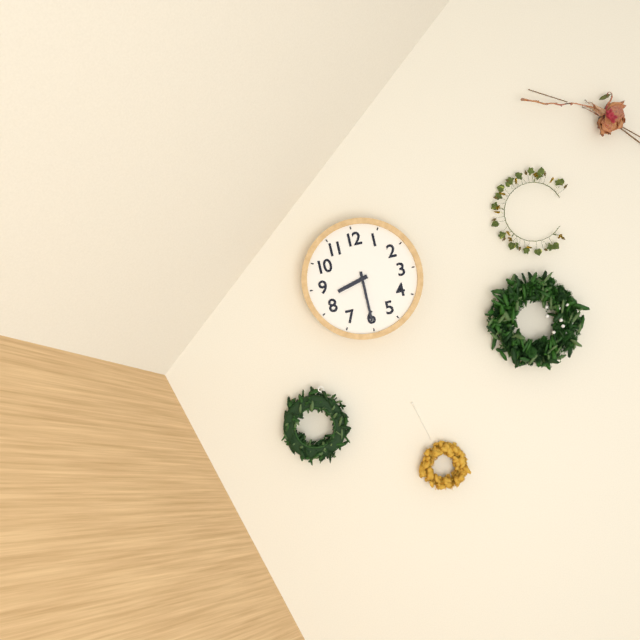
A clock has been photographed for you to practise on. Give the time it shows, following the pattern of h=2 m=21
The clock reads h=8 m=30
